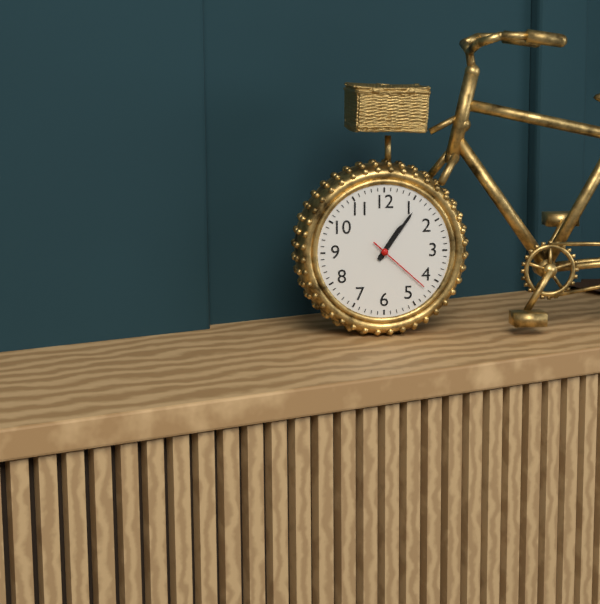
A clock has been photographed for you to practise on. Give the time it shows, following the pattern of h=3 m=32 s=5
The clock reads h=1 m=6 s=22
